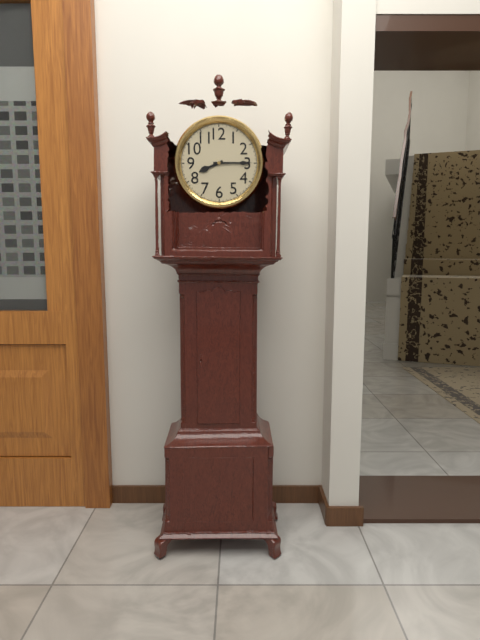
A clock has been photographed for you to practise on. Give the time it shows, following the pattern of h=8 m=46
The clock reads h=8 m=15
